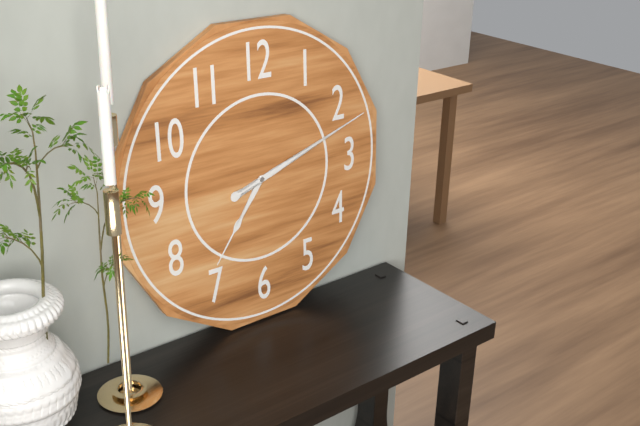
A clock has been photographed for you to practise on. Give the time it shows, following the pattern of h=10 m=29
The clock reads h=7 m=12
